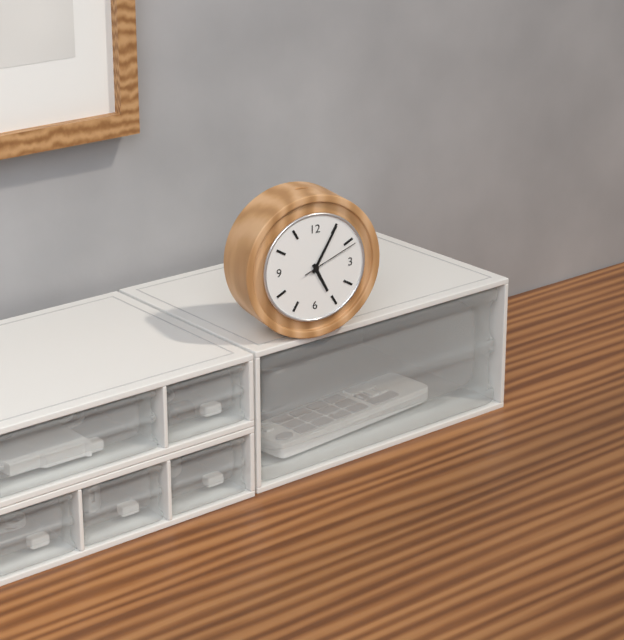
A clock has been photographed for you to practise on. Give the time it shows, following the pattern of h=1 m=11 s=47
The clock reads h=5 m=5 s=11
